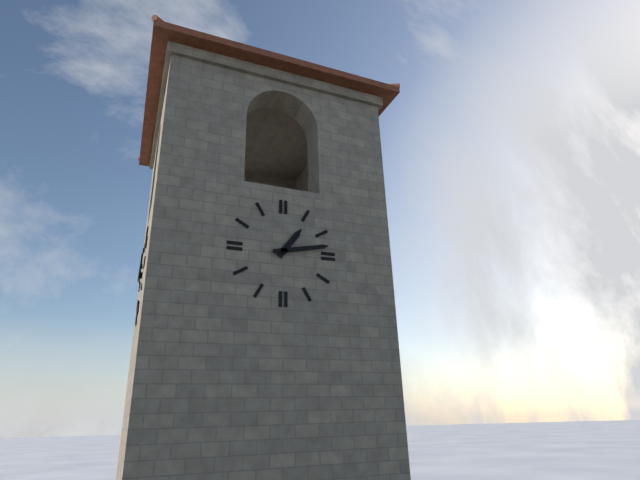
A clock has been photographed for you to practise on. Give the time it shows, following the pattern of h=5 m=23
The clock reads h=1 m=13
